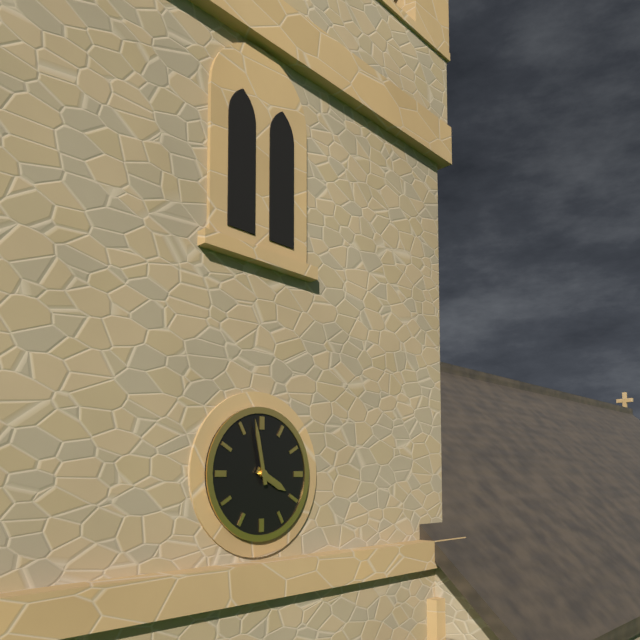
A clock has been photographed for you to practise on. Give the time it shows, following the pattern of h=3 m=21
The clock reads h=3 m=58
